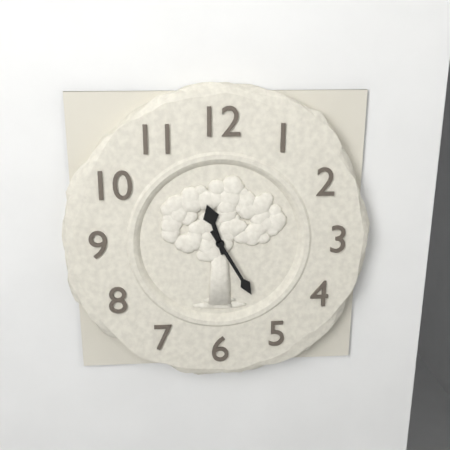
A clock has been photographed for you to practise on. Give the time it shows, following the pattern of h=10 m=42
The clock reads h=11 m=25
